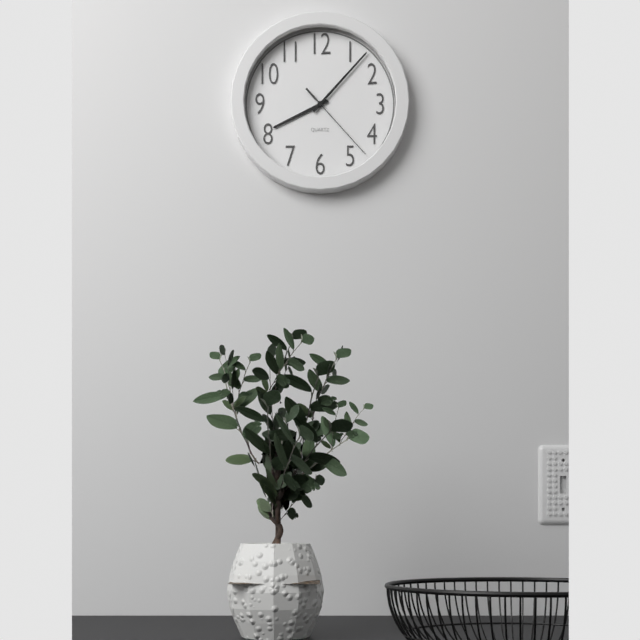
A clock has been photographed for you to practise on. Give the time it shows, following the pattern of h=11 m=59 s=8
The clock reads h=8 m=7 s=23
